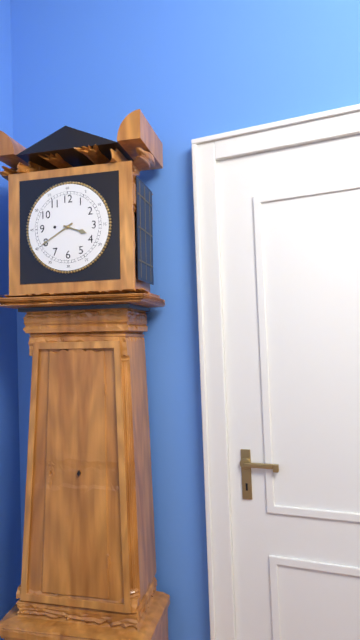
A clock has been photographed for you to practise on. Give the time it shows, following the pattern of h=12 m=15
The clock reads h=3 m=40
